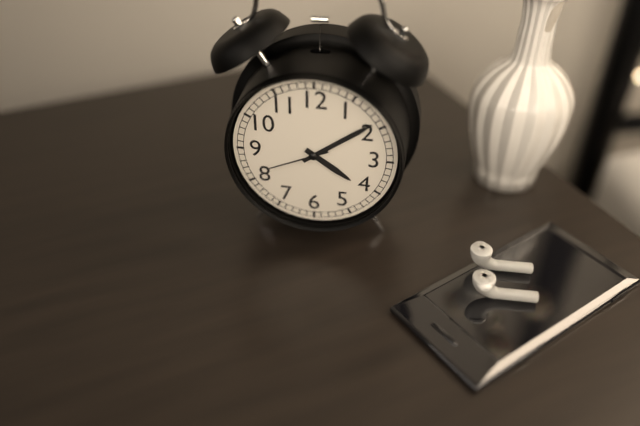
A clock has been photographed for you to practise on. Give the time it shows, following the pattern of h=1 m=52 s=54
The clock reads h=4 m=9 s=41
